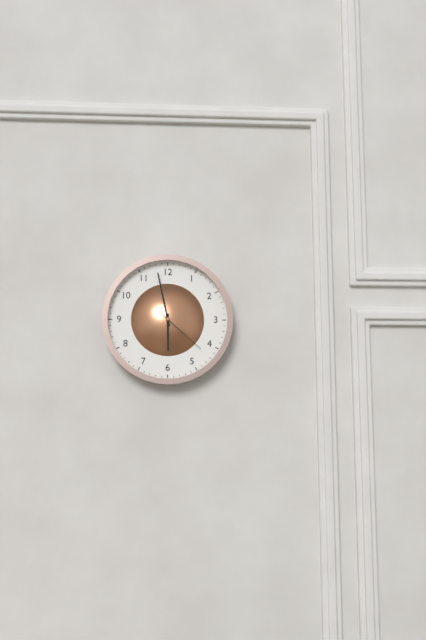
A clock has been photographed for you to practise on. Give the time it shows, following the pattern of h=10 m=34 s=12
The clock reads h=5 m=58 s=22
